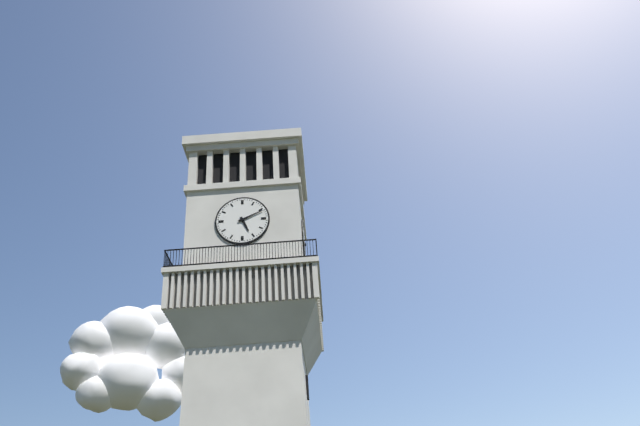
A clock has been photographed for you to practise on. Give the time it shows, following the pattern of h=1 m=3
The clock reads h=5 m=11
